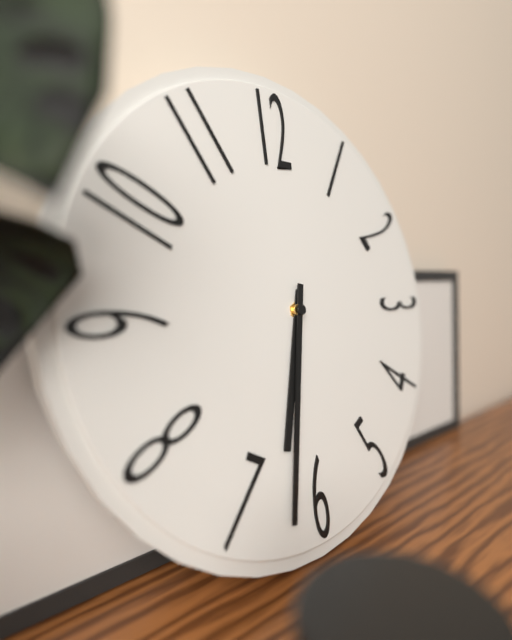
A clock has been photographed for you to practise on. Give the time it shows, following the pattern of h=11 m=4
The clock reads h=6 m=32
